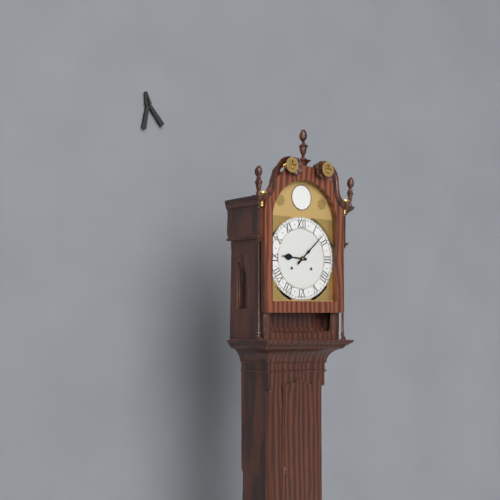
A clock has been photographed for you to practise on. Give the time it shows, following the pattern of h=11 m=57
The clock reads h=9 m=8
